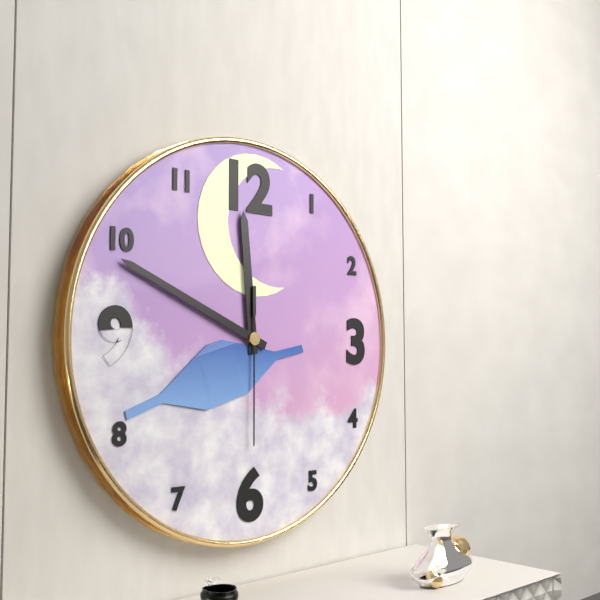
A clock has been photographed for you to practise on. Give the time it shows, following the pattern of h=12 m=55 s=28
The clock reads h=11 m=49 s=30
